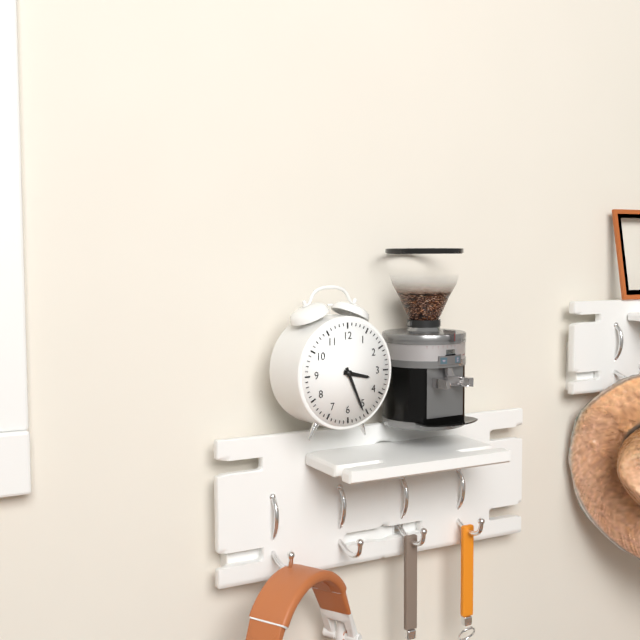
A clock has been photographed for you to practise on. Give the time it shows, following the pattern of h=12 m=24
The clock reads h=3 m=26
